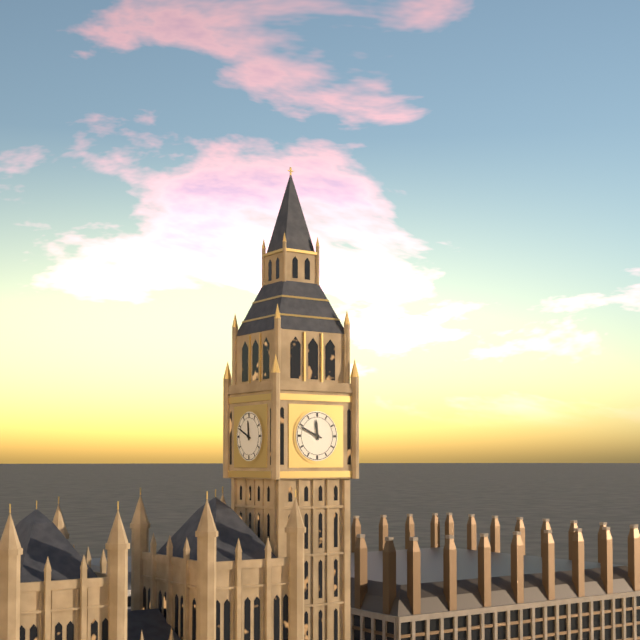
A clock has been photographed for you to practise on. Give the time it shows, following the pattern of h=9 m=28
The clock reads h=11 m=49
